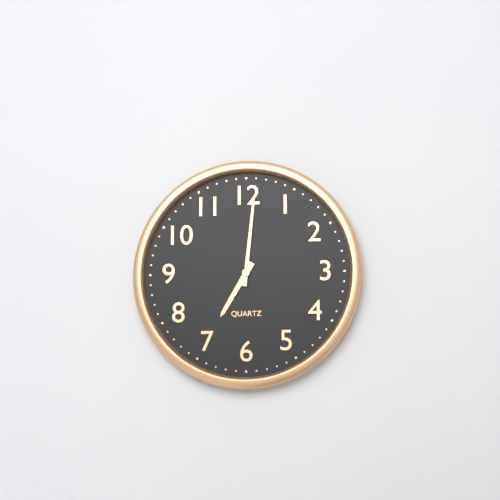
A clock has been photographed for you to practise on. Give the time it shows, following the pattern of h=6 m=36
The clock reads h=7 m=1
